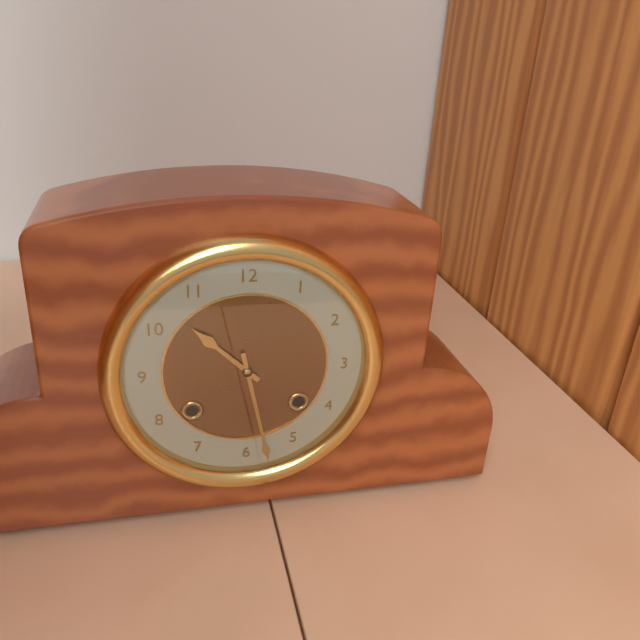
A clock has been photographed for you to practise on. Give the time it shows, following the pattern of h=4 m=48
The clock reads h=10 m=28
